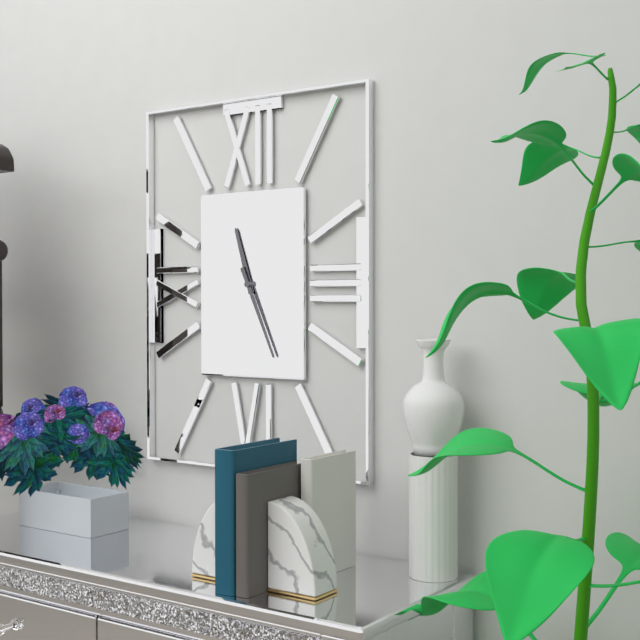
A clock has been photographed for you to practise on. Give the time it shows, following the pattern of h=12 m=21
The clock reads h=11 m=26
